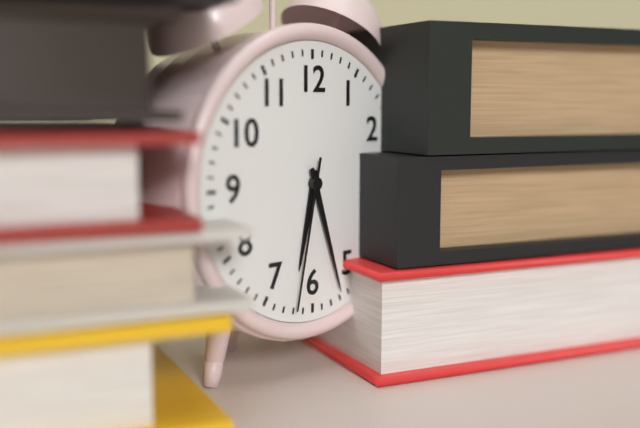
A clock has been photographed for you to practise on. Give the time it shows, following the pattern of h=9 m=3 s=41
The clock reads h=6 m=27 s=32
